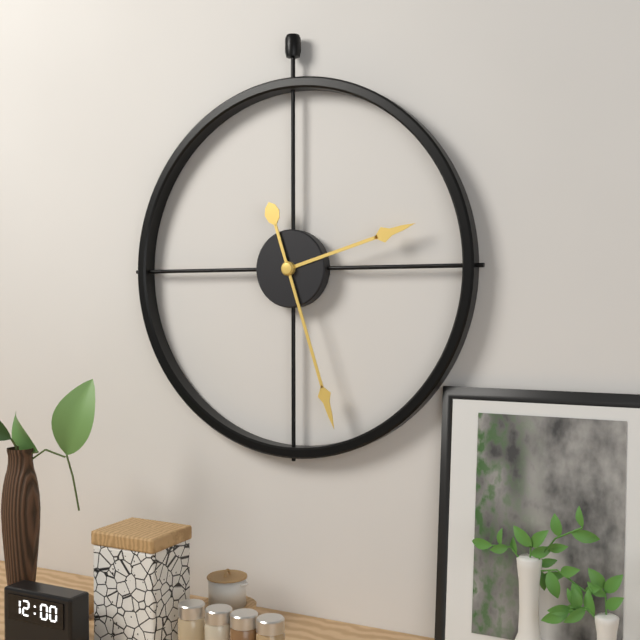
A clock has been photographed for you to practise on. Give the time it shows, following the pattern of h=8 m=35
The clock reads h=2 m=27
